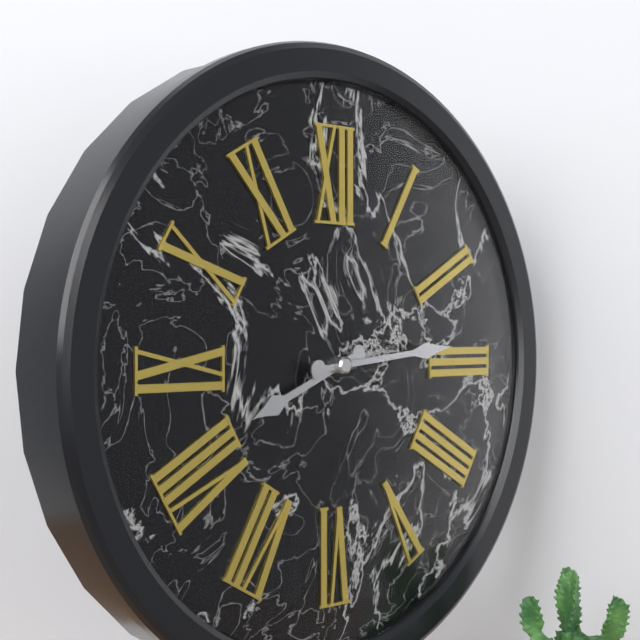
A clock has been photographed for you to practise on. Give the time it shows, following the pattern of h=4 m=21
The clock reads h=8 m=14
